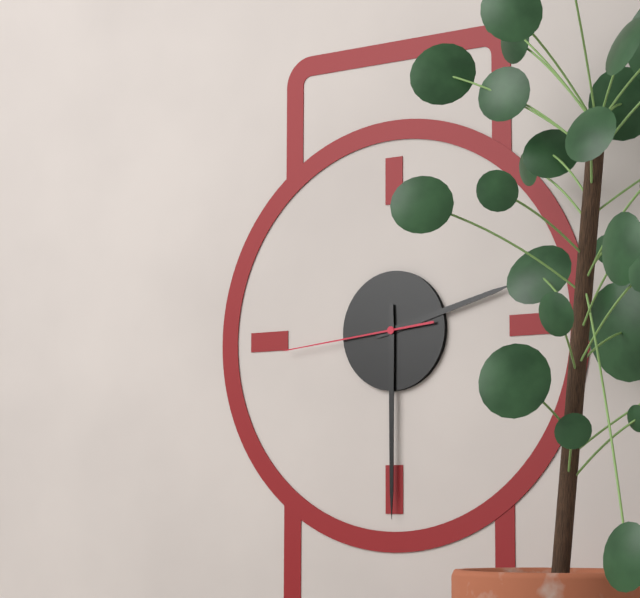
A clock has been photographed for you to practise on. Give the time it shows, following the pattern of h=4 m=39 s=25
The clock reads h=2 m=30 s=44
